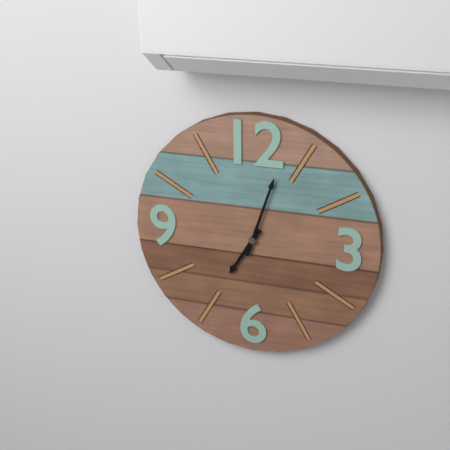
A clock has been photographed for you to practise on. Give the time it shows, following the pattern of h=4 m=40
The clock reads h=7 m=3
